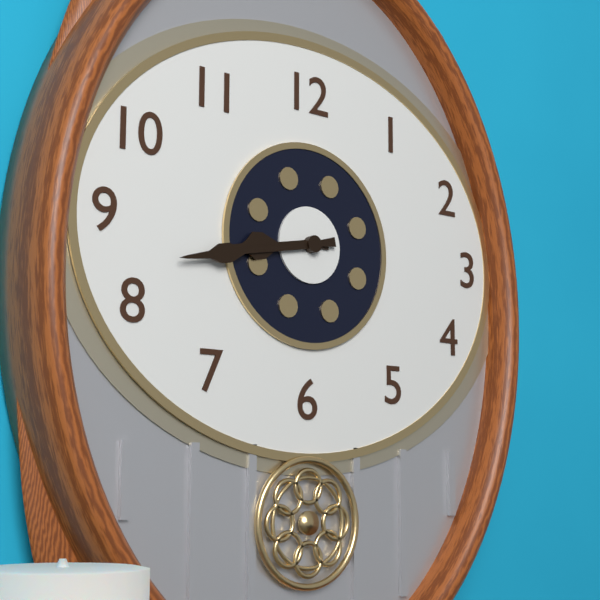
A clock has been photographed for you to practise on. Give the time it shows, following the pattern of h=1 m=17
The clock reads h=8 m=43
